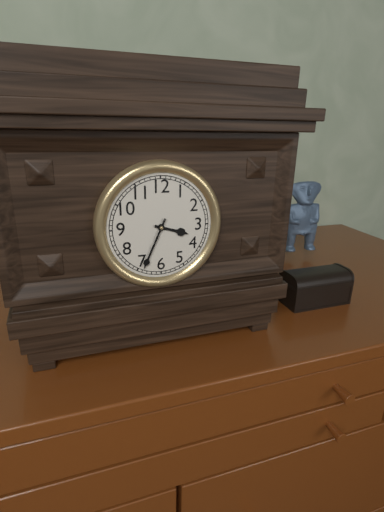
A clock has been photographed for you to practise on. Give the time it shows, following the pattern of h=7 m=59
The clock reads h=3 m=34
